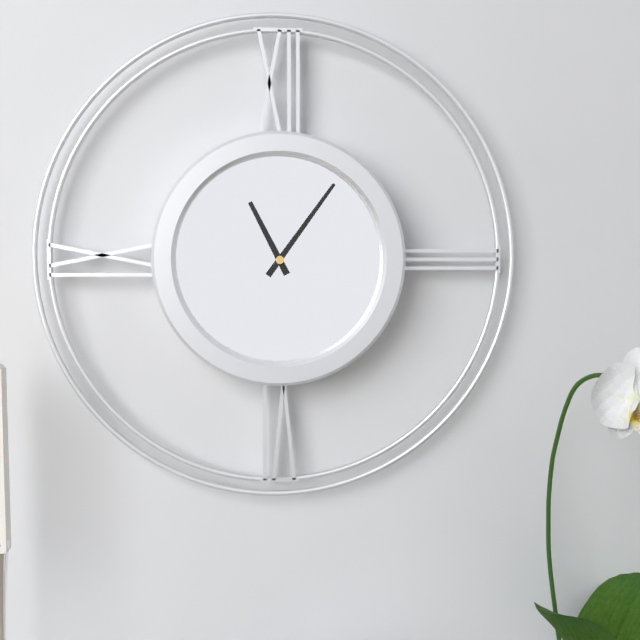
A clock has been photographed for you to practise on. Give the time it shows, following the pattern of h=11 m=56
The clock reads h=11 m=6
